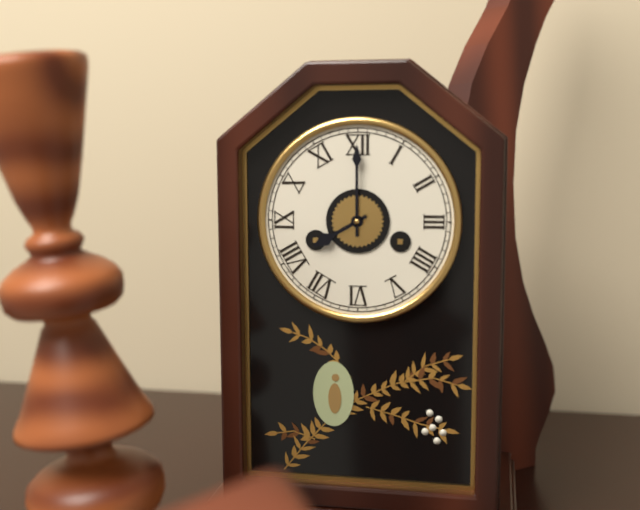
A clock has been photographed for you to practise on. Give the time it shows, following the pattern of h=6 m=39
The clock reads h=8 m=0
